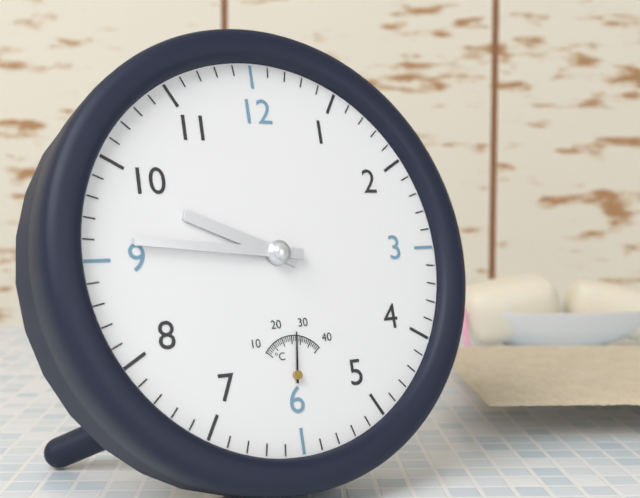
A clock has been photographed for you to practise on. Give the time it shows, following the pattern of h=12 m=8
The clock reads h=9 m=46
